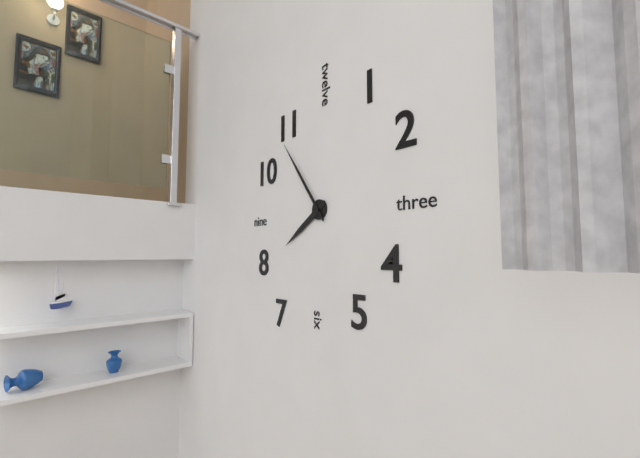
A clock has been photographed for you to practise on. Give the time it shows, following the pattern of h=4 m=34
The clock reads h=7 m=54
